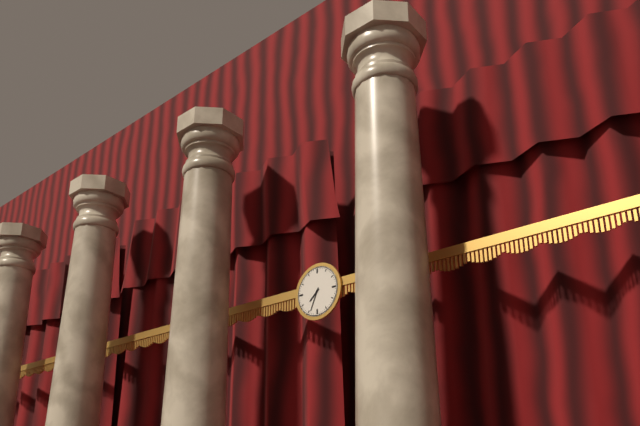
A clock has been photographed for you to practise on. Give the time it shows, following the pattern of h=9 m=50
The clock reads h=7 m=34
